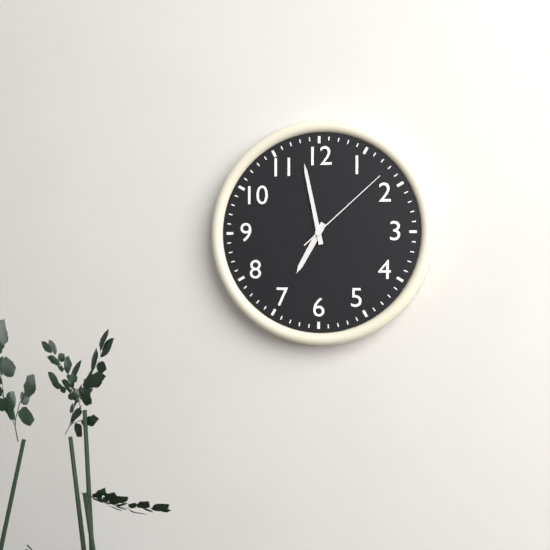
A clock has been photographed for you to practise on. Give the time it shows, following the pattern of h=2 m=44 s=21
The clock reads h=6 m=58 s=8
